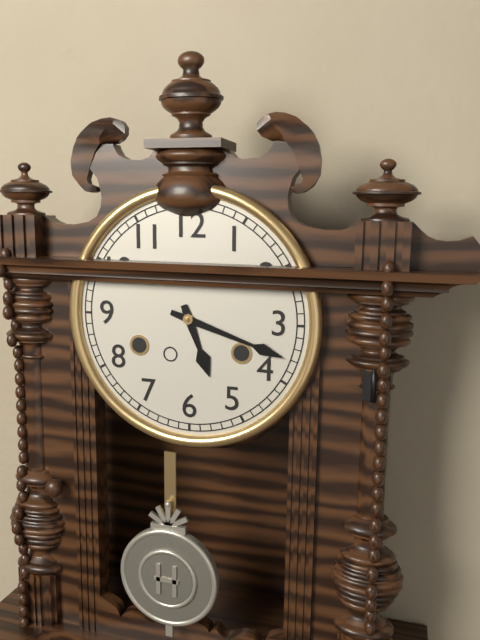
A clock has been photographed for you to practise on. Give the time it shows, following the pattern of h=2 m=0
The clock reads h=5 m=18
